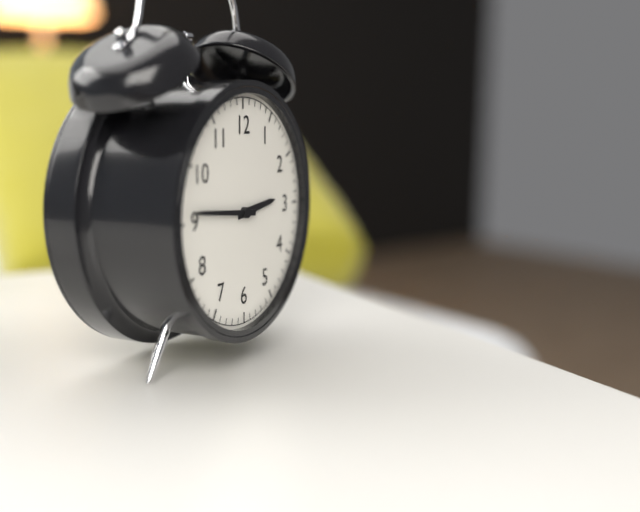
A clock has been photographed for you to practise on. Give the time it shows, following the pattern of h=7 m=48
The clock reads h=2 m=46
